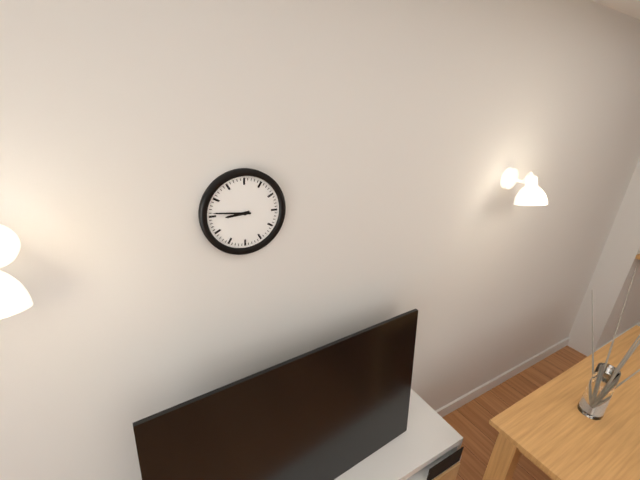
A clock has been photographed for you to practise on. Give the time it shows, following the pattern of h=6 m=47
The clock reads h=8 m=46
